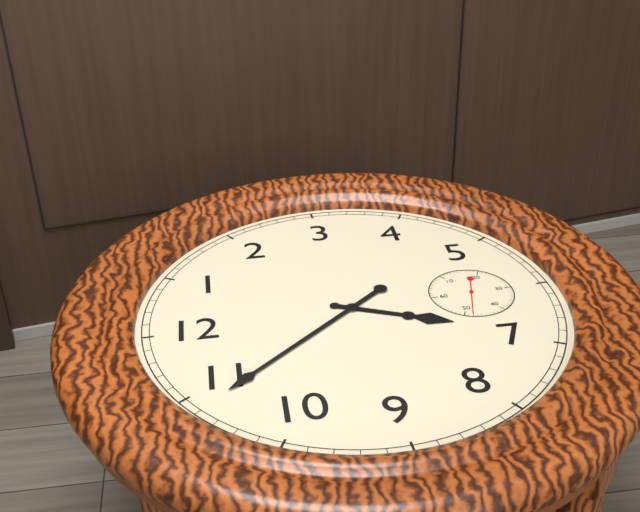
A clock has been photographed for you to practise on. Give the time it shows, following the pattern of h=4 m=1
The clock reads h=6 m=54
